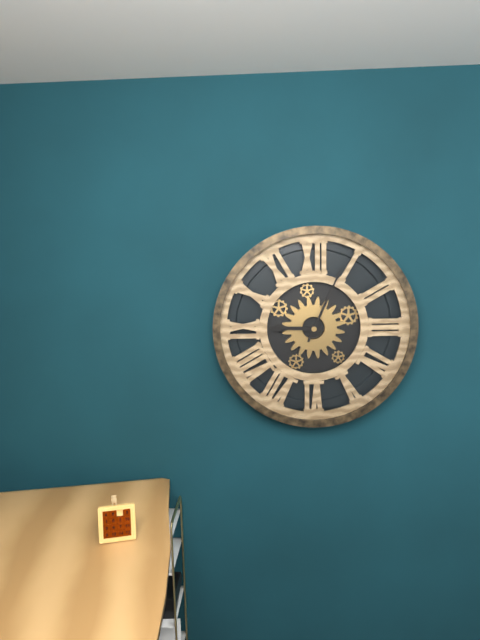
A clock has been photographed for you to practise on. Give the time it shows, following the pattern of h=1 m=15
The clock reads h=9 m=4
